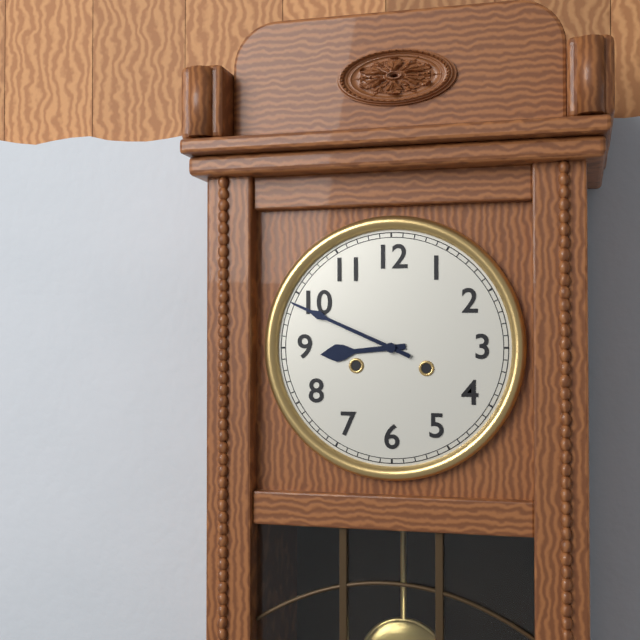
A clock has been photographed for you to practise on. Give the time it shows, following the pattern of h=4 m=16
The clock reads h=8 m=49
